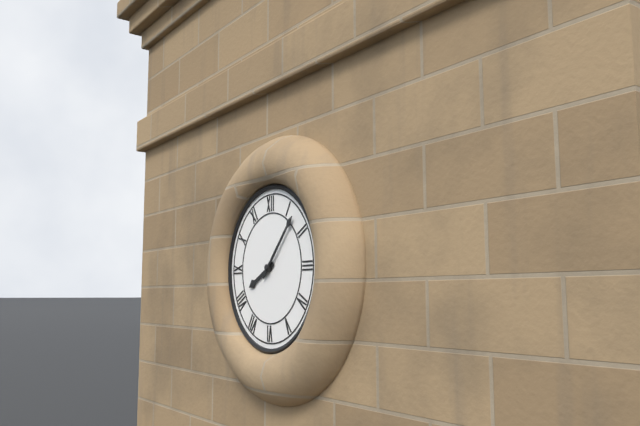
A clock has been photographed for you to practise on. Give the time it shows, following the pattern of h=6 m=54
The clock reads h=8 m=7
